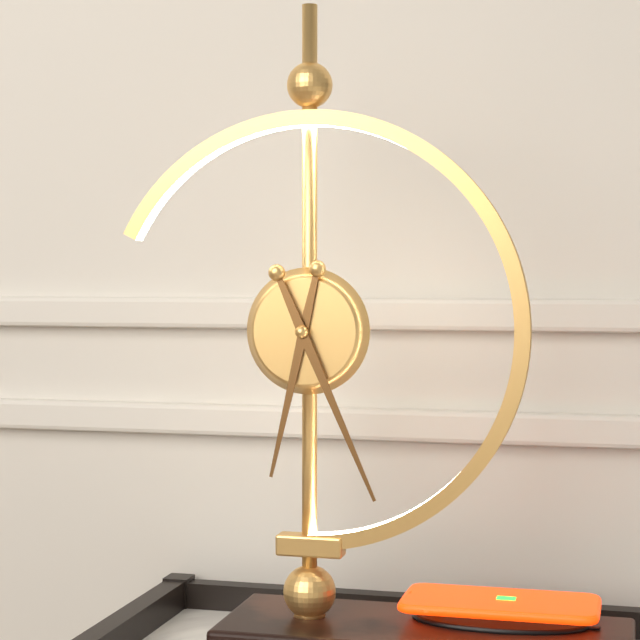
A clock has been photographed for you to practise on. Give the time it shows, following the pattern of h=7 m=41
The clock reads h=6 m=26
